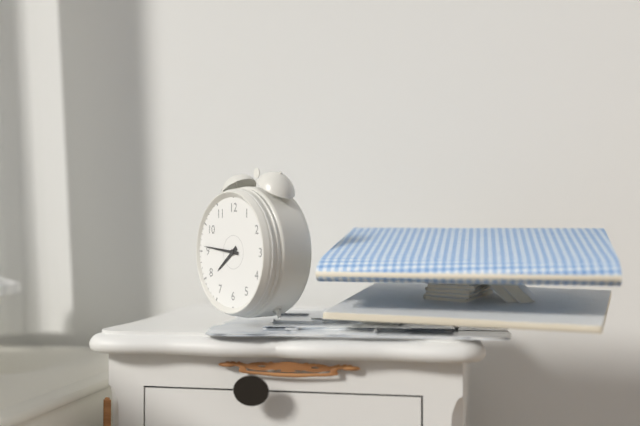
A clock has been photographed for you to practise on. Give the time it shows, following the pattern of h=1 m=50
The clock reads h=7 m=46
